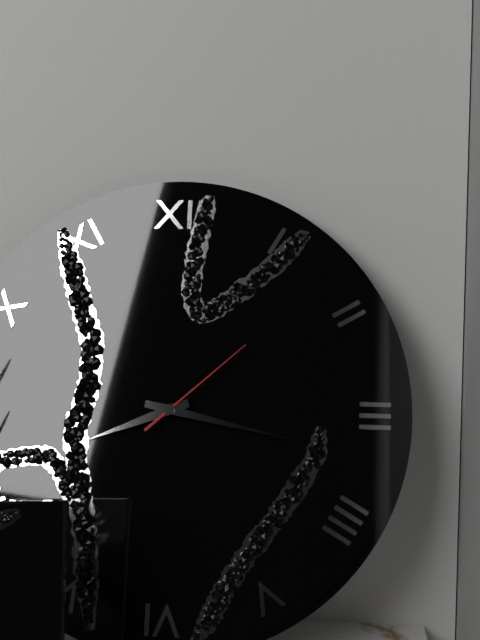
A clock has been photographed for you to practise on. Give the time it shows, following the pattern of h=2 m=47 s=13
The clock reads h=8 m=17 s=8
